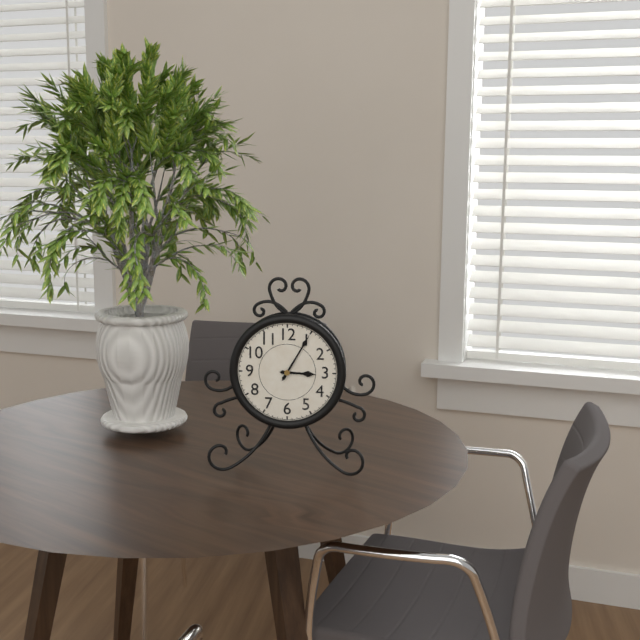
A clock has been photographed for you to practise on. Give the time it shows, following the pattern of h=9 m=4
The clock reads h=3 m=5
